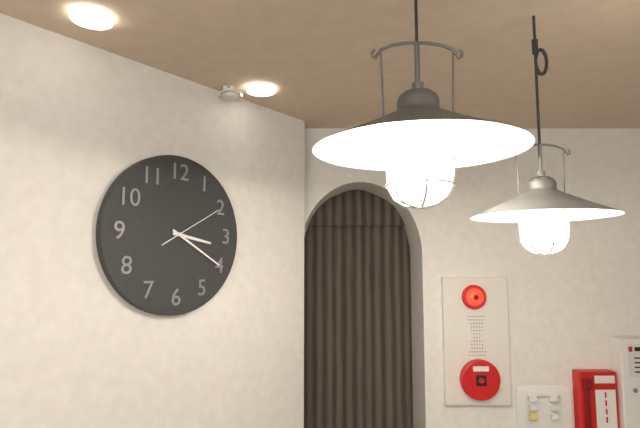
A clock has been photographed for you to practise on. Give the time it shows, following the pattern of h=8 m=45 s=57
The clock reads h=3 m=20 s=10
